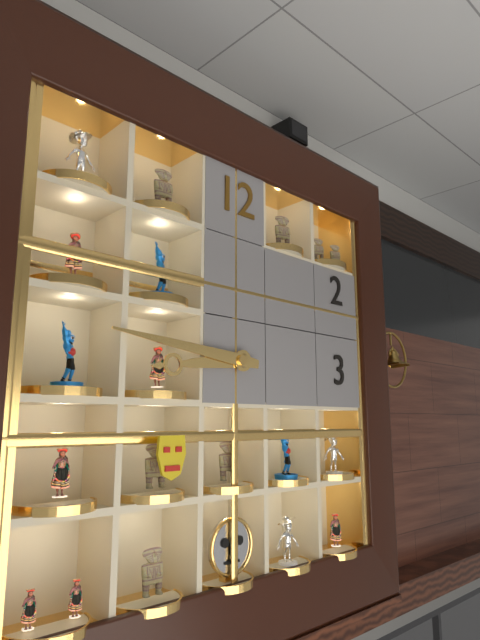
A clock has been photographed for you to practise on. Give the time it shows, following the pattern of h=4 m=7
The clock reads h=8 m=46
